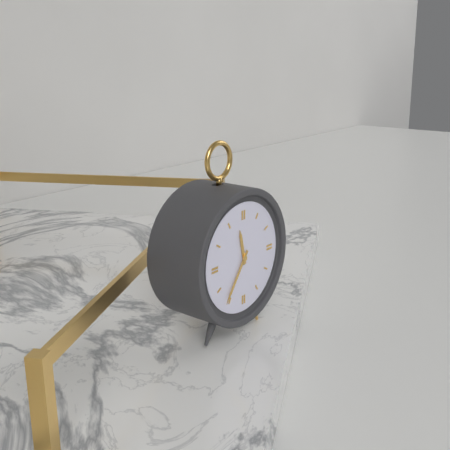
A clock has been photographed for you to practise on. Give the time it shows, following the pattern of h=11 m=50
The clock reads h=11 m=36
